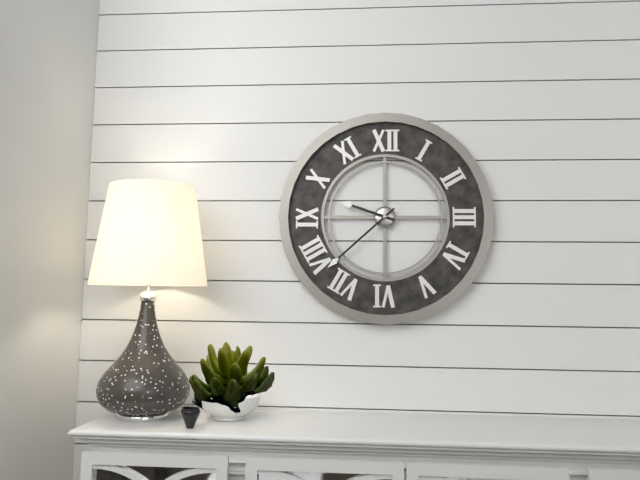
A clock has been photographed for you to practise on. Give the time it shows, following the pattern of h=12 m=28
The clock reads h=9 m=38
